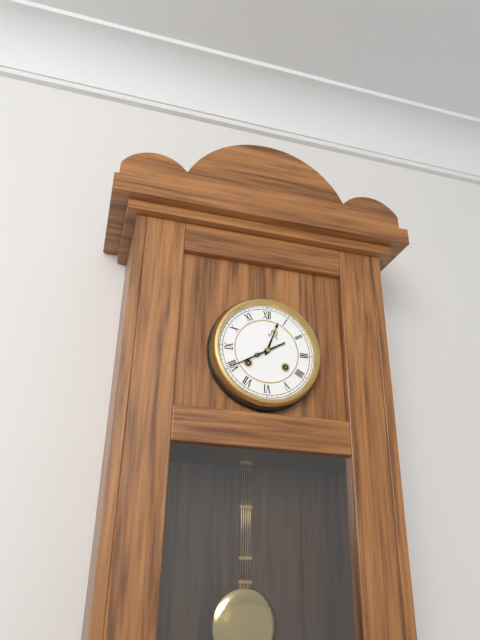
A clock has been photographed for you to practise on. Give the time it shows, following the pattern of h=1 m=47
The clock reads h=12 m=40
